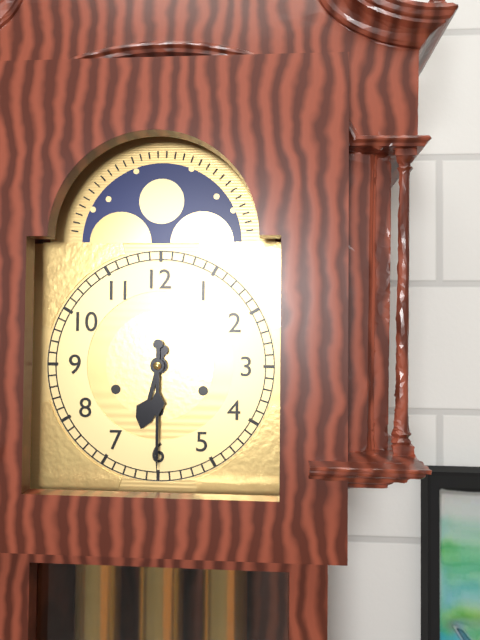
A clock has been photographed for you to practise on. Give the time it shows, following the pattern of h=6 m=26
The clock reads h=6 m=30
